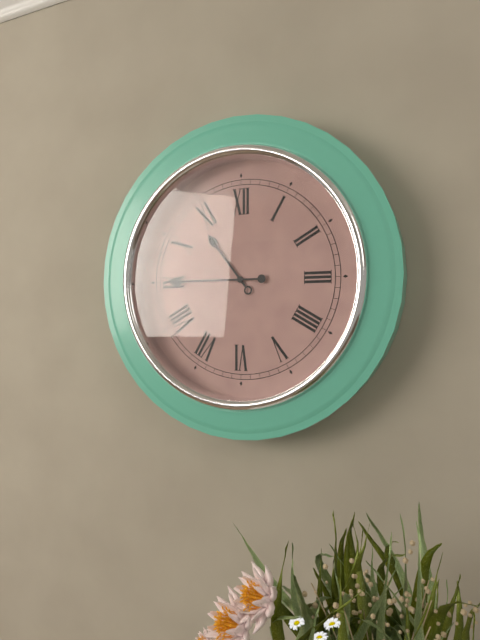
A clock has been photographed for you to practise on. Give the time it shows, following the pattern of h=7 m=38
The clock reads h=10 m=45
